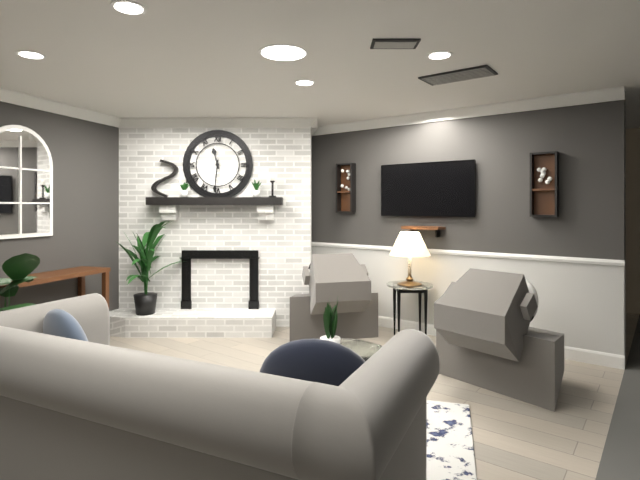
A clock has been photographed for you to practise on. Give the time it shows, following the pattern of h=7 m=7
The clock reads h=11 m=31
